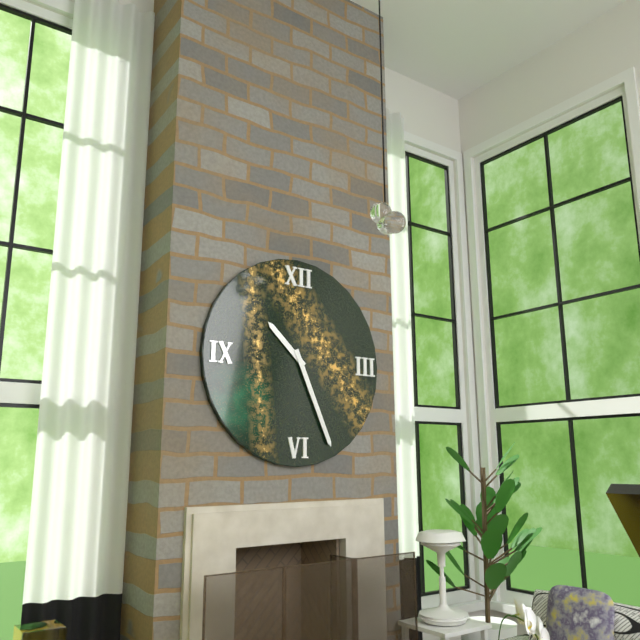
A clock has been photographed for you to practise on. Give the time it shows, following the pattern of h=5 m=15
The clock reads h=10 m=26
